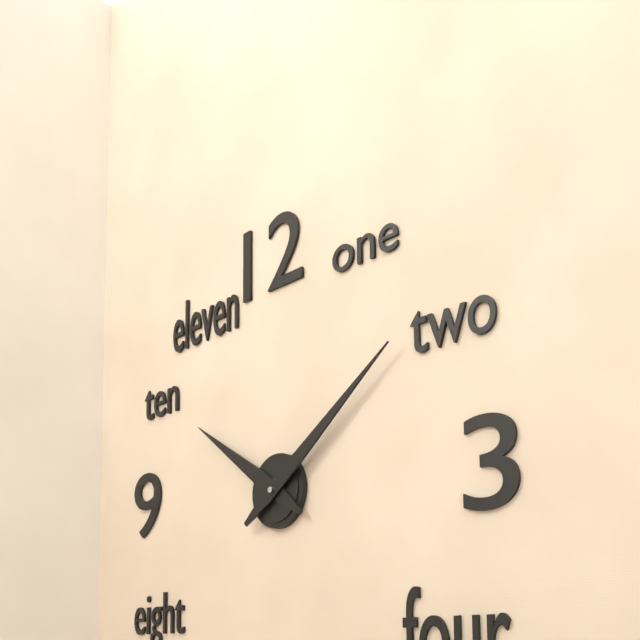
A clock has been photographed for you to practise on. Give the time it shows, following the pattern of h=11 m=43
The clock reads h=10 m=9
